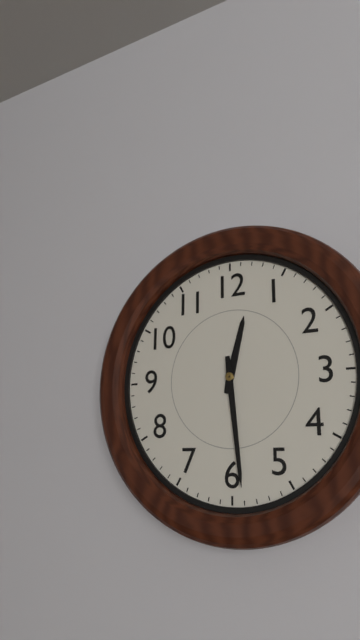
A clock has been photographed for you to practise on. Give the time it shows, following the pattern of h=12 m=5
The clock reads h=12 m=29
